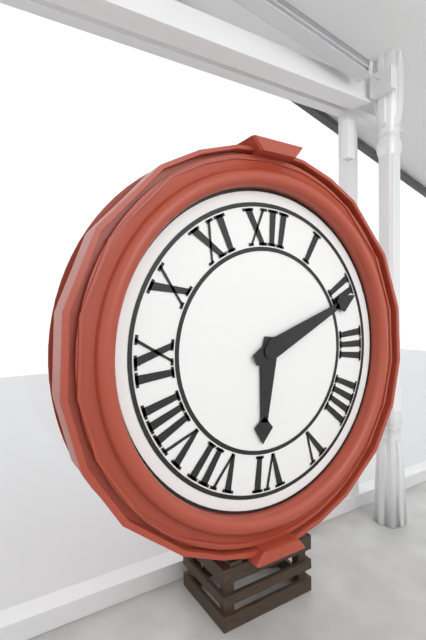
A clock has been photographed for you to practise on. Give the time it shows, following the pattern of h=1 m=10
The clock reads h=6 m=11
